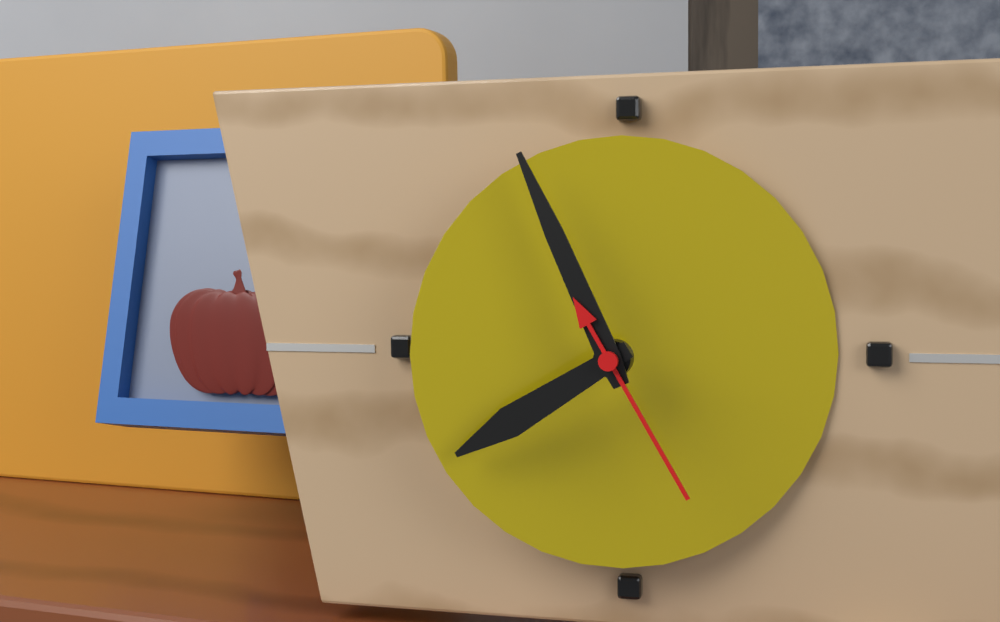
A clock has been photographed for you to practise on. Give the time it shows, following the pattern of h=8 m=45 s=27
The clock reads h=7 m=56 s=25
